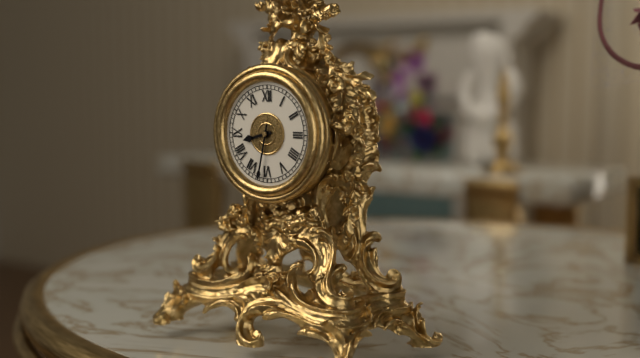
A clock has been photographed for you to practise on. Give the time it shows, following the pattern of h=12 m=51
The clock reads h=8 m=32
